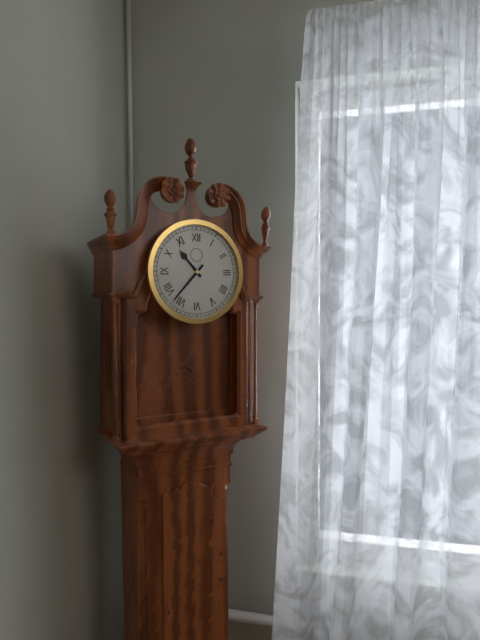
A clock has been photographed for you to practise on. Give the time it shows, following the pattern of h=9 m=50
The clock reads h=10 m=37
